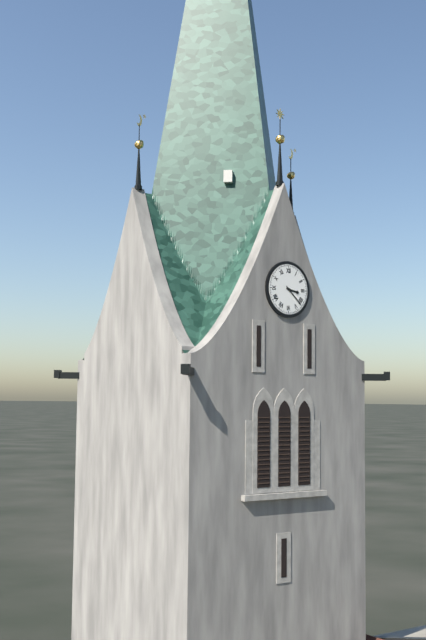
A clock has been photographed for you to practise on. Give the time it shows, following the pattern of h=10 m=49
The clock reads h=3 m=22
